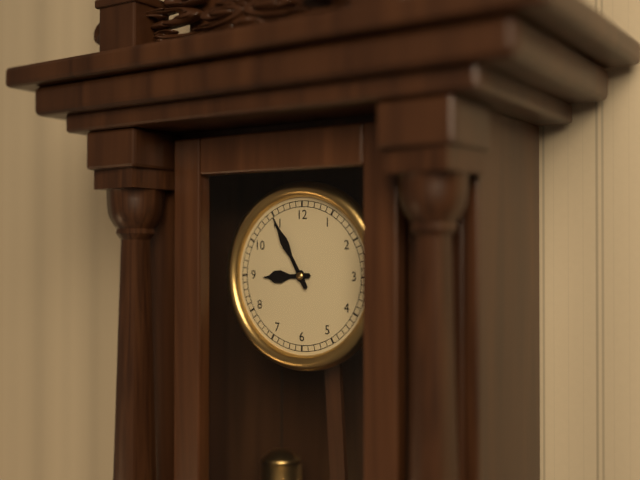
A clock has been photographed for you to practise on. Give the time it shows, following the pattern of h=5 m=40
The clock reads h=8 m=55
